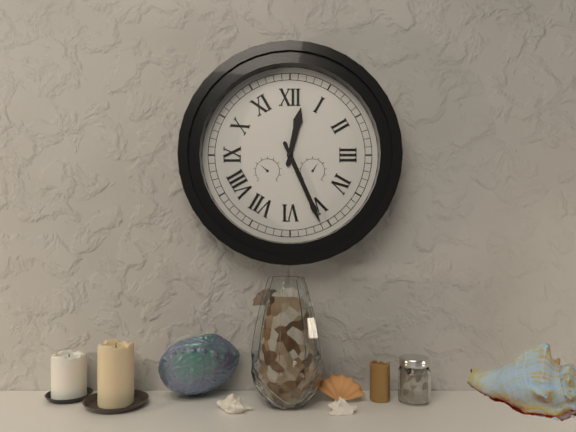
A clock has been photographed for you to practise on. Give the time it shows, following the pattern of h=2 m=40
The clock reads h=12 m=26
